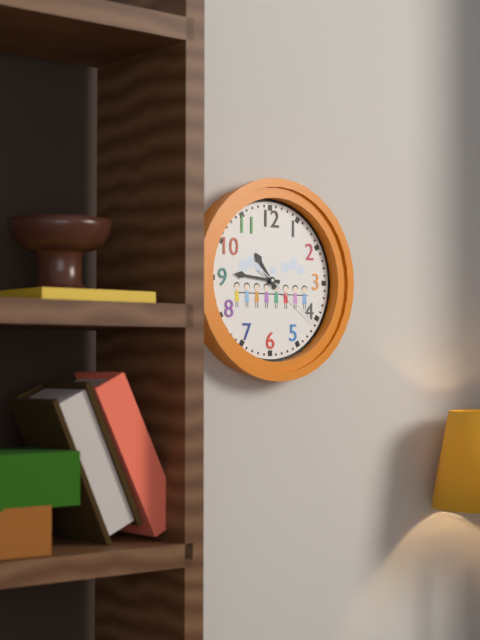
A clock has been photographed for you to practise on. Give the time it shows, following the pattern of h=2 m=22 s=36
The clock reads h=10 m=46 s=21
